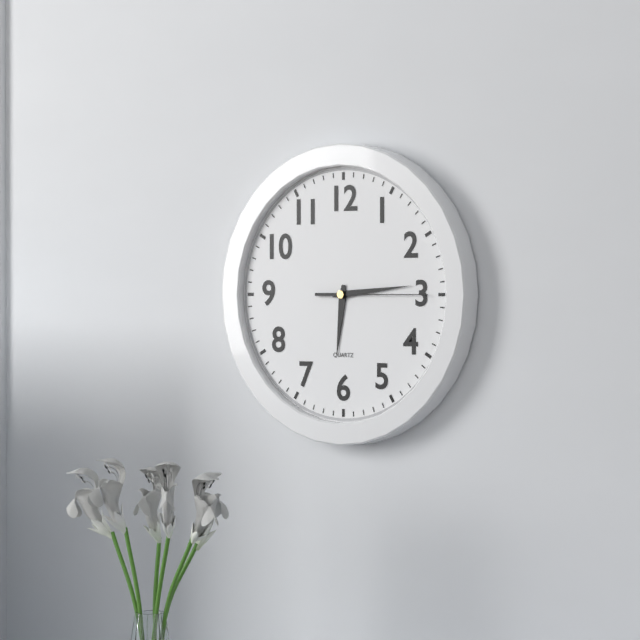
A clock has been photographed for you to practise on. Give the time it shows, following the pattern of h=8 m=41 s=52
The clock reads h=6 m=14 s=15
